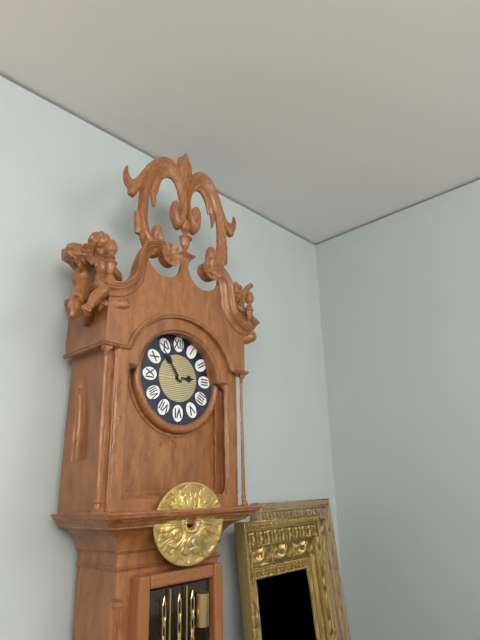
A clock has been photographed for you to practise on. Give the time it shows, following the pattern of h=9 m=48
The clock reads h=2 m=54
